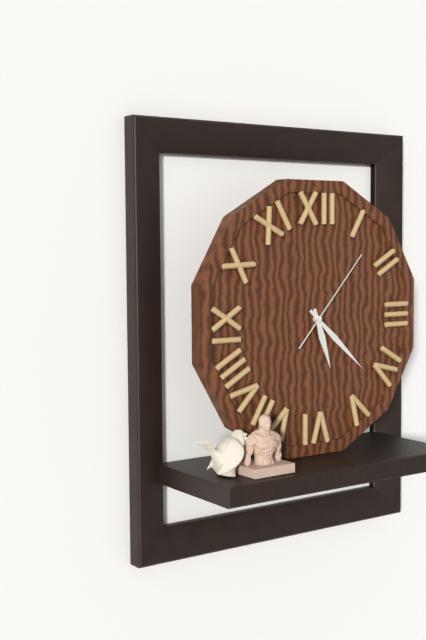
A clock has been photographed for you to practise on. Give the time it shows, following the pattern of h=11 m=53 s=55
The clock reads h=5 m=22 s=7
